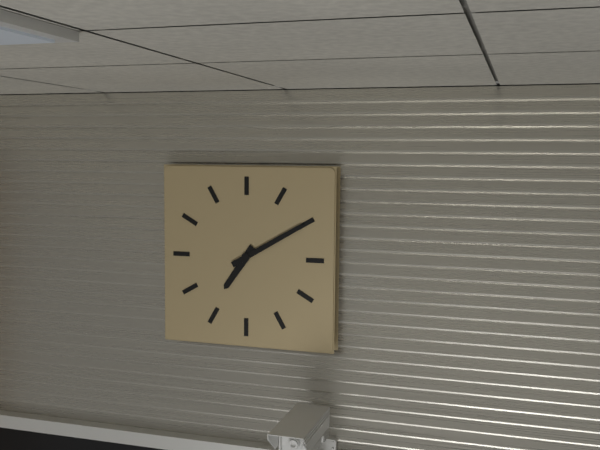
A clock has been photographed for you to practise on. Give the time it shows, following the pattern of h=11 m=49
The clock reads h=7 m=10
